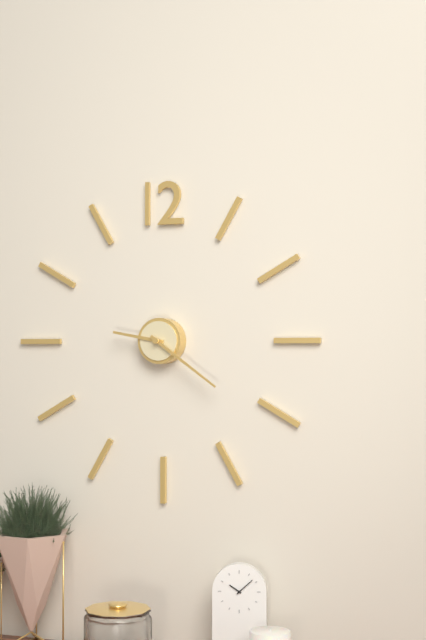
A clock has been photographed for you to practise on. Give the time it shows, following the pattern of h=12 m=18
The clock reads h=9 m=21
